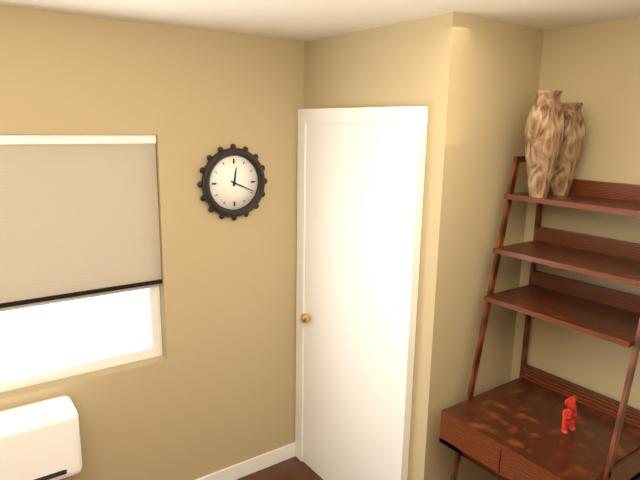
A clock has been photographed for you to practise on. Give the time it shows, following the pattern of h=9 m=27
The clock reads h=12 m=19
